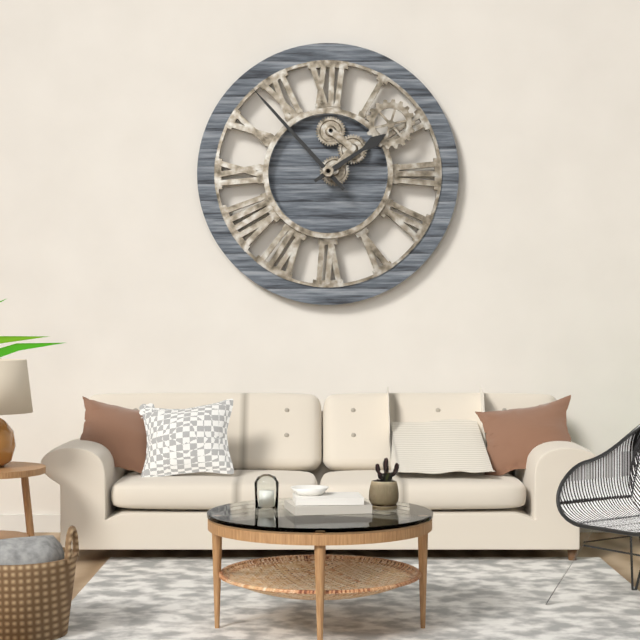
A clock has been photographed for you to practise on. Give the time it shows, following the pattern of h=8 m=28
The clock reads h=1 m=53
